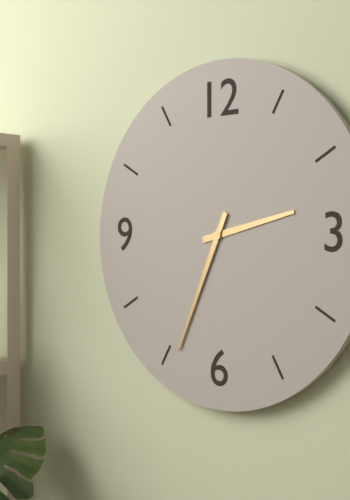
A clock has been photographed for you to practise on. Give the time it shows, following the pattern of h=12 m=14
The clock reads h=2 m=34
